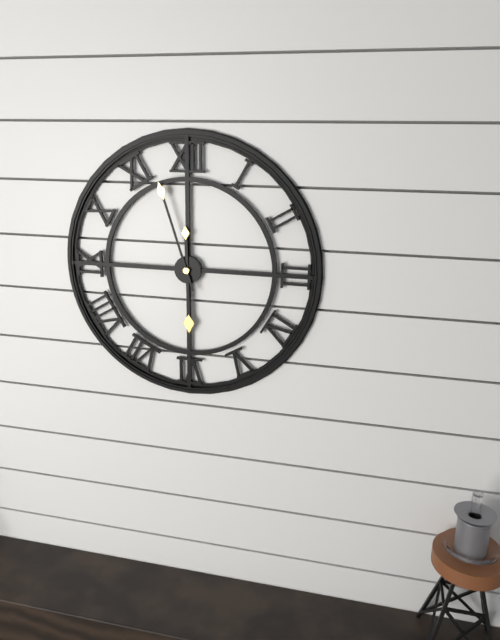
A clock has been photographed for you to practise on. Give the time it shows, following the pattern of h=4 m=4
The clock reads h=5 m=57
